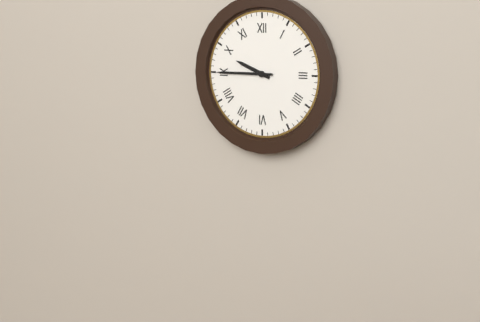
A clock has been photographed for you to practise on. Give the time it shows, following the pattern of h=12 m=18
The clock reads h=9 m=45
